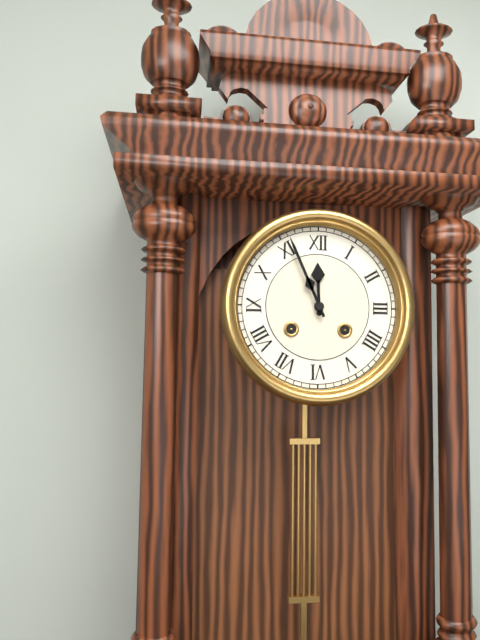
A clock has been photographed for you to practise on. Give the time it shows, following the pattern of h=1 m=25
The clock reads h=11 m=56
